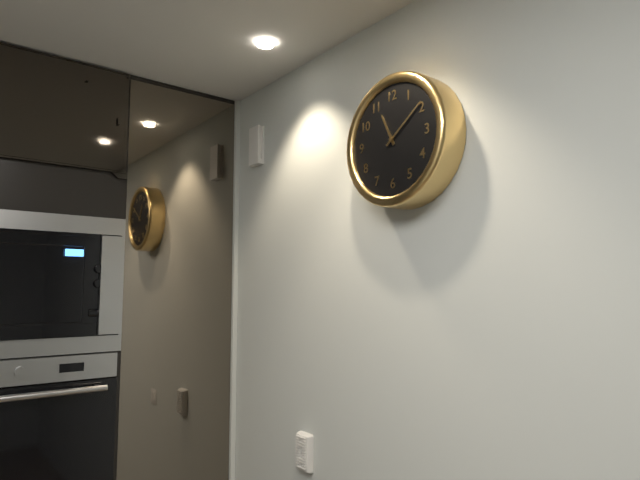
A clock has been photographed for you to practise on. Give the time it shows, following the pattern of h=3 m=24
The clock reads h=11 m=9
